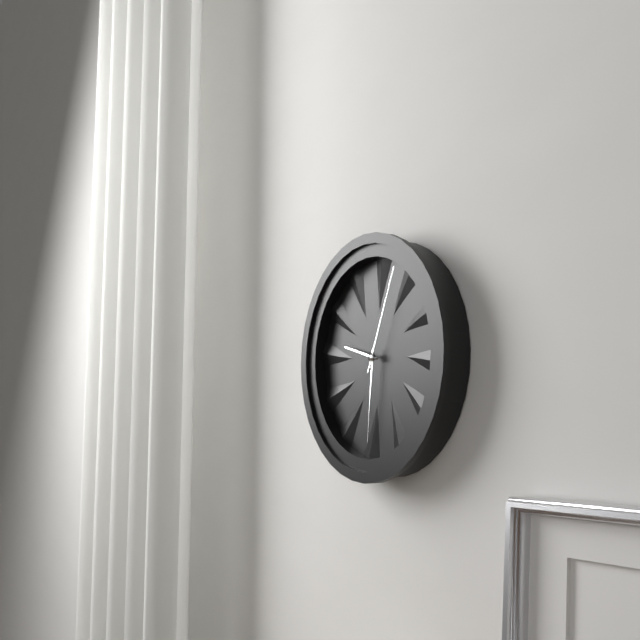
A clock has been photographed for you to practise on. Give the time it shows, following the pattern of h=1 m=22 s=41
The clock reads h=9 m=31 s=4
